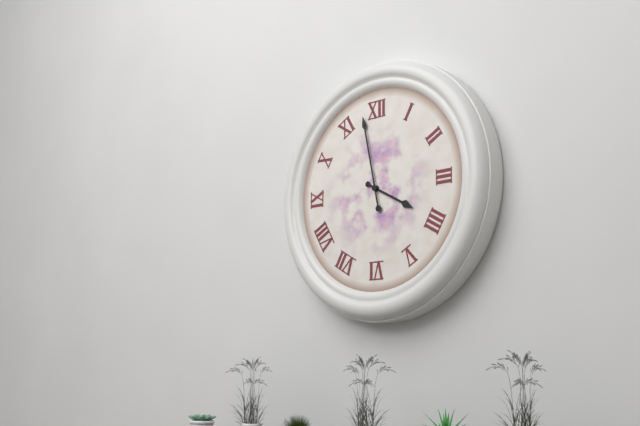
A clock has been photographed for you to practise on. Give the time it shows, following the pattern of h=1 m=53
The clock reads h=3 m=58
